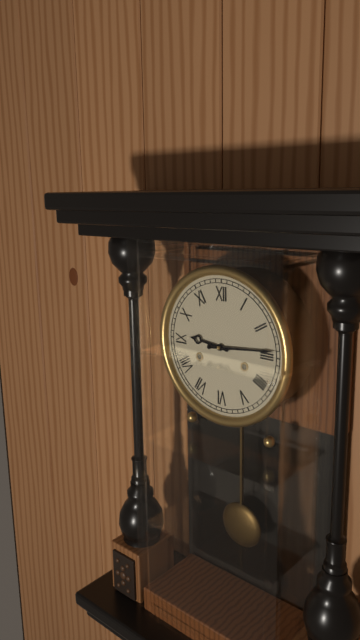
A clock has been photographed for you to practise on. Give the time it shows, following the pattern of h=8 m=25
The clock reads h=9 m=14
